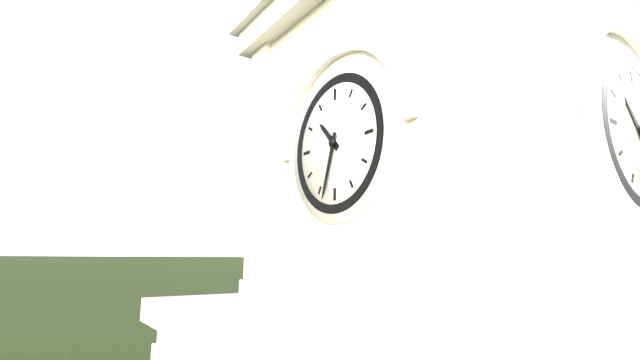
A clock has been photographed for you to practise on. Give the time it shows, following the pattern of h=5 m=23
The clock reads h=10 m=33
